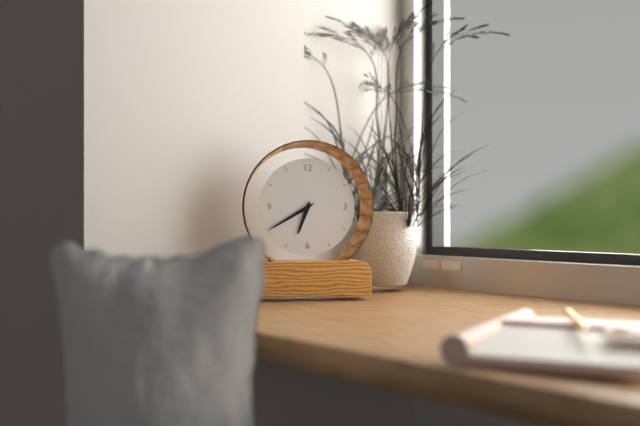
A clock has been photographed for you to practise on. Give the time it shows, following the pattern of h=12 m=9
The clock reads h=6 m=40
